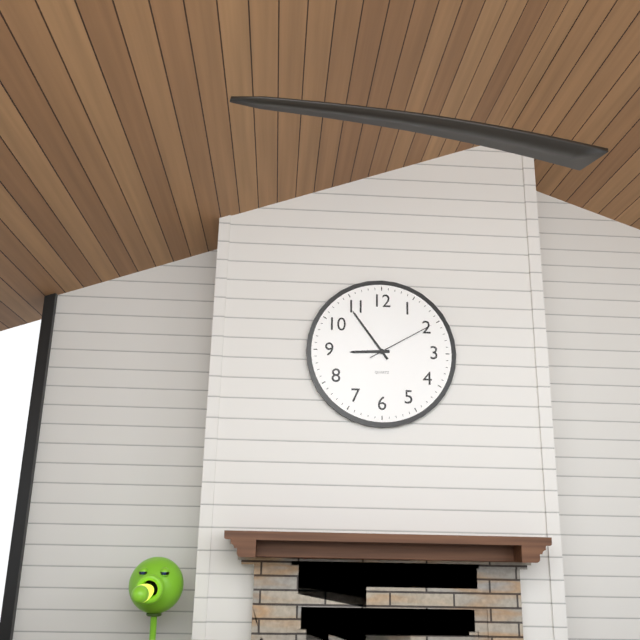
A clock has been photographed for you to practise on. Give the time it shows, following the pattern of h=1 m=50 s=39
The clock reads h=8 m=54 s=10
